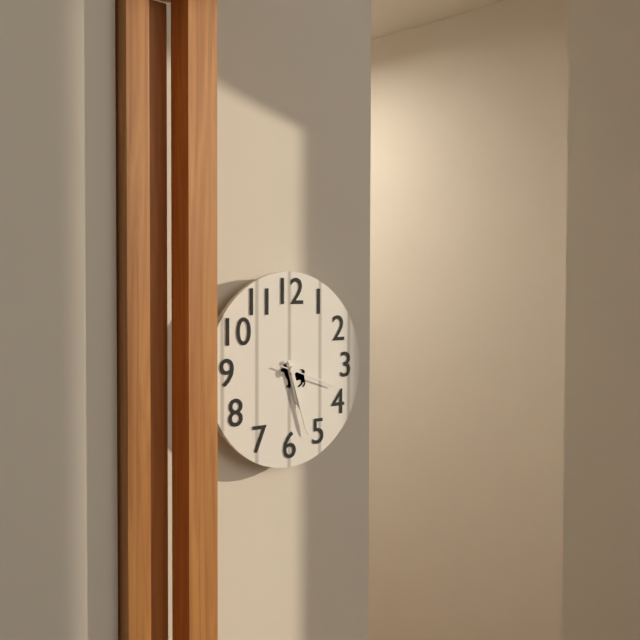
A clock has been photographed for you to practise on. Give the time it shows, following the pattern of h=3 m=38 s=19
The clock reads h=5 m=27 s=18
